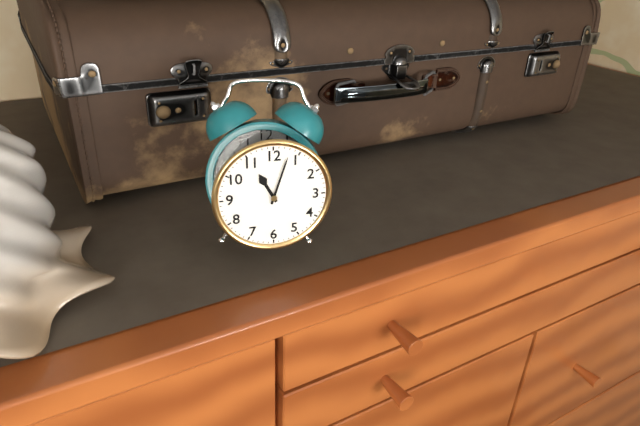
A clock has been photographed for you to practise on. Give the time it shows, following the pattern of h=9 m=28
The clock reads h=11 m=3
